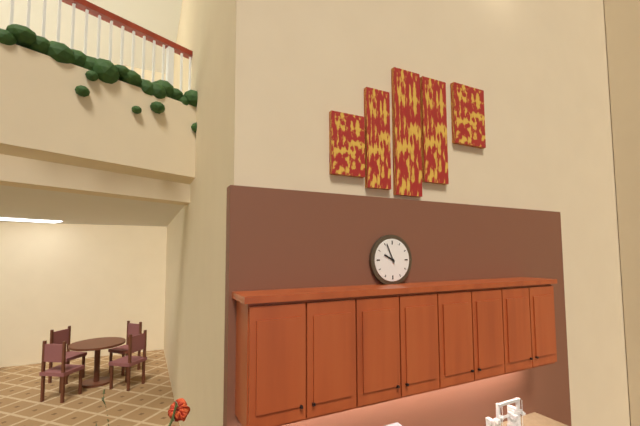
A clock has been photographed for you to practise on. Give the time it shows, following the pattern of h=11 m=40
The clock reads h=9 m=56
